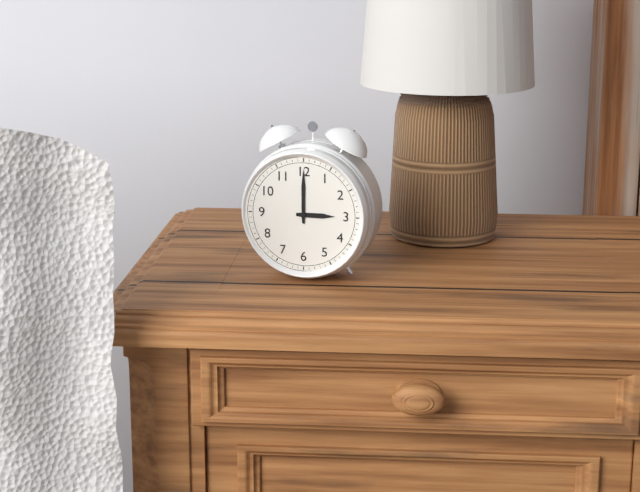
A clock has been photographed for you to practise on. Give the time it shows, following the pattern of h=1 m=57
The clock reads h=3 m=0
